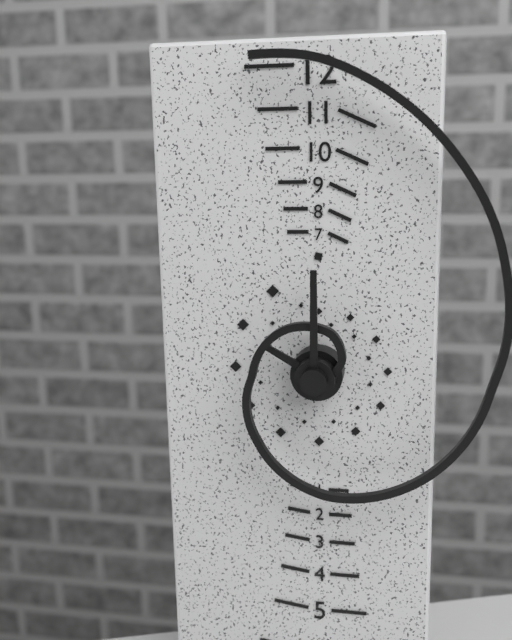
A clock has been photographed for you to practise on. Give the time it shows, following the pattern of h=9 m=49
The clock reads h=10 m=0
